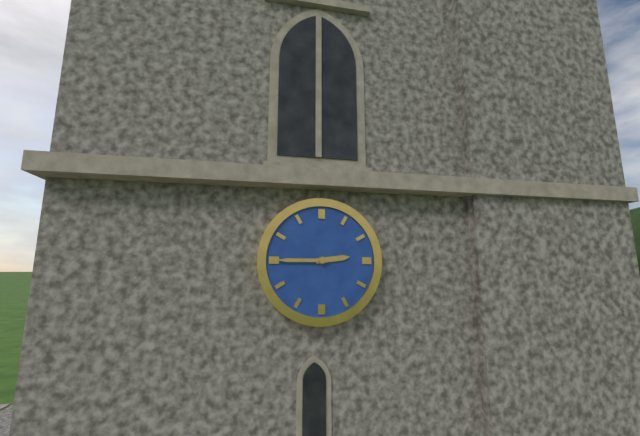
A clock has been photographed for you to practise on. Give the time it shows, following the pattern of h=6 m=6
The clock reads h=2 m=45
